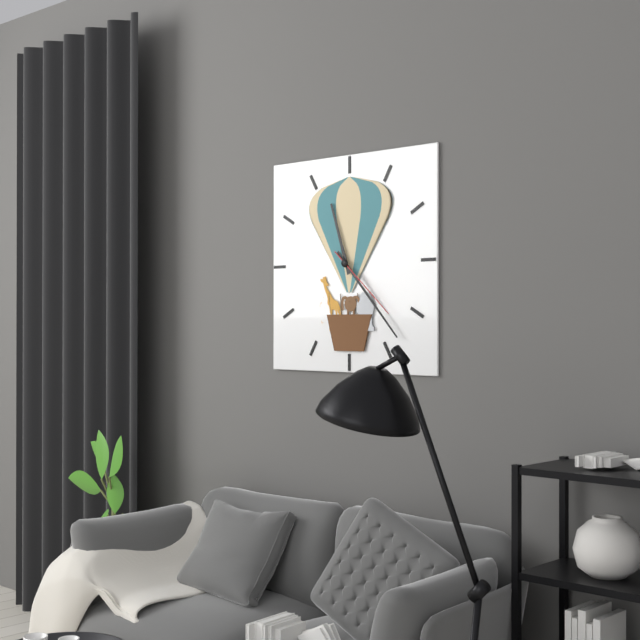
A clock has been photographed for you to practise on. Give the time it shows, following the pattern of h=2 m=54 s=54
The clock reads h=11 m=23 s=22
